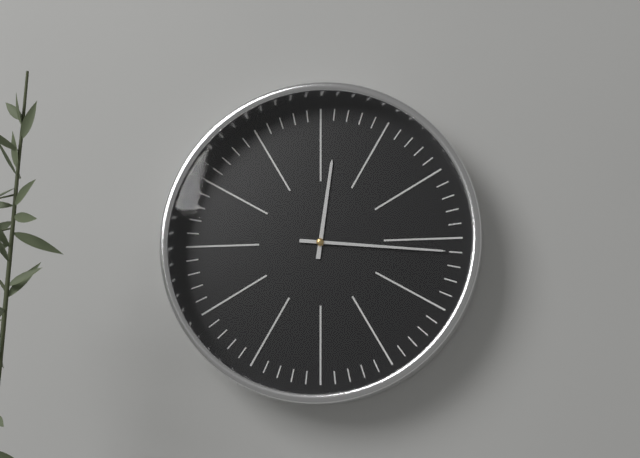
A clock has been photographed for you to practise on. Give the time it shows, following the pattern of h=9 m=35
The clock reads h=12 m=16
